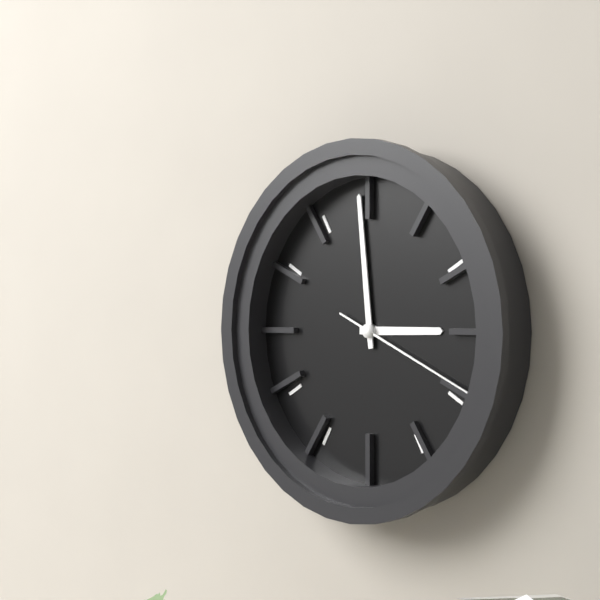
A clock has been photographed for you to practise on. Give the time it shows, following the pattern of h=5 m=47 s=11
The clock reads h=2 m=59 s=19
